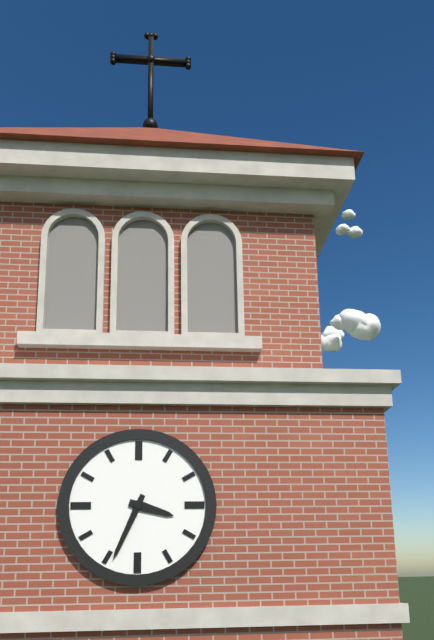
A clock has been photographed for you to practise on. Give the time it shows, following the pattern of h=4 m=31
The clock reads h=3 m=34
